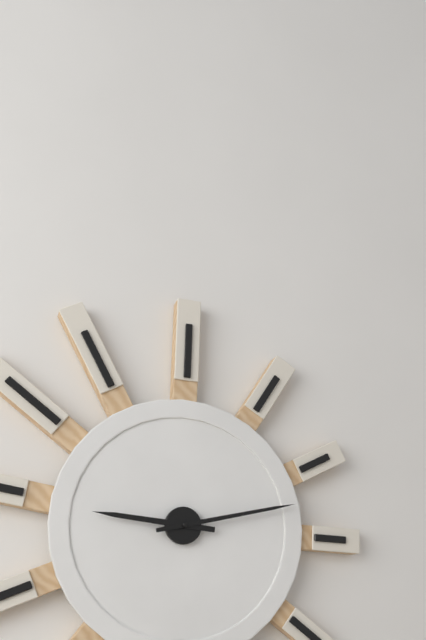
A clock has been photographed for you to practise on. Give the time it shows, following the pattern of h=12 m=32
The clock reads h=9 m=13
